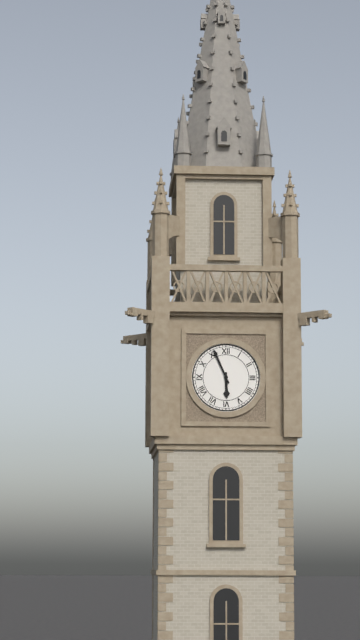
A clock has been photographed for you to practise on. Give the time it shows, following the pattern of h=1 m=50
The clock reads h=5 m=56
